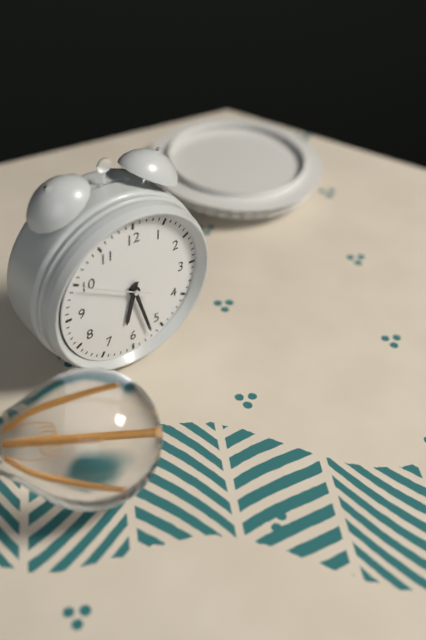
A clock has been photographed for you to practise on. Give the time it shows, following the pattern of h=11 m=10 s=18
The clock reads h=6 m=27 s=50
